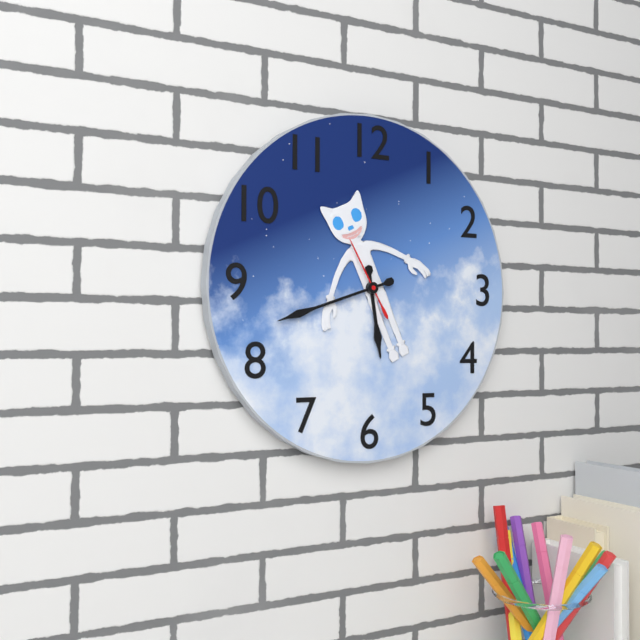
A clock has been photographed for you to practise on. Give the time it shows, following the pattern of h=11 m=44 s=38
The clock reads h=5 m=42 s=55
